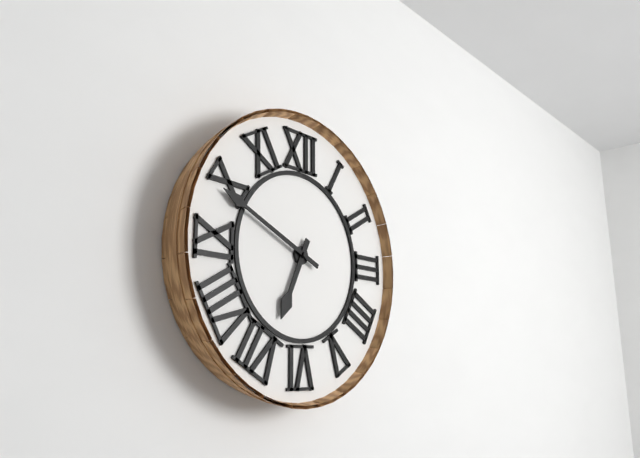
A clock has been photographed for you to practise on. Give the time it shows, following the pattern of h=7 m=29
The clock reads h=6 m=49
